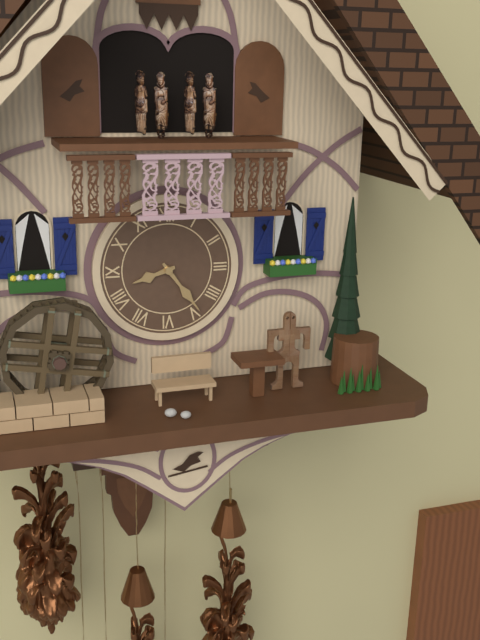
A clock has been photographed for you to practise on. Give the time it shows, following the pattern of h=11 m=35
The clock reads h=8 m=24
